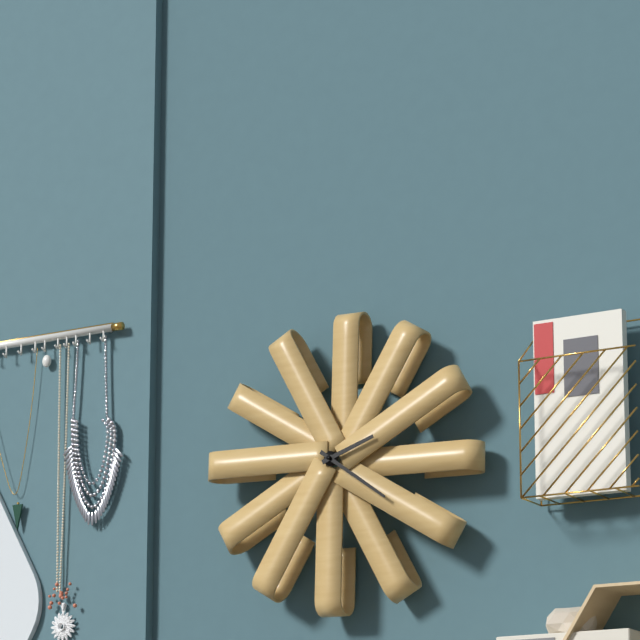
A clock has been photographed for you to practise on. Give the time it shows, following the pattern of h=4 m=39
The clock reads h=2 m=21
